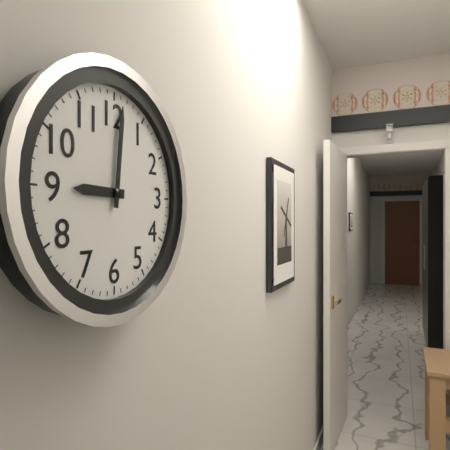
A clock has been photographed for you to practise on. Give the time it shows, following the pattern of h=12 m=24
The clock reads h=9 m=1
